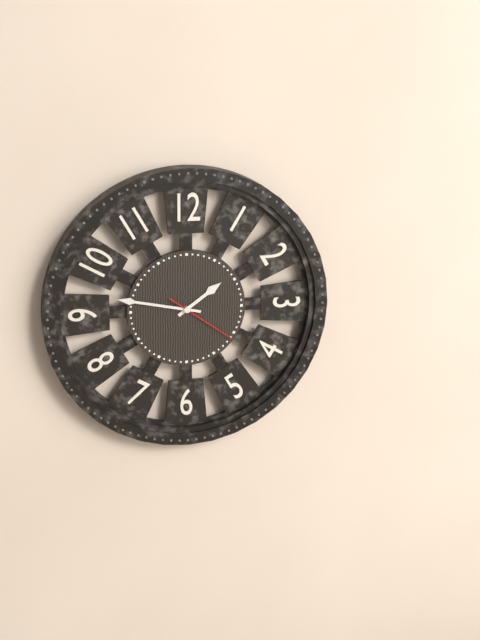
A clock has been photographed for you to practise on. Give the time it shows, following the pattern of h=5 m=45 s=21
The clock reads h=1 m=47 s=21
